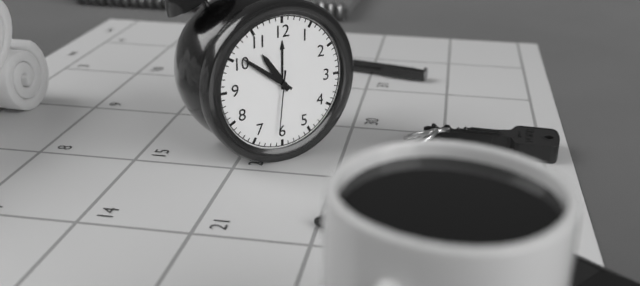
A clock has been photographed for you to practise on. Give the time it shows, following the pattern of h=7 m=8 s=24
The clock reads h=10 m=51 s=31
